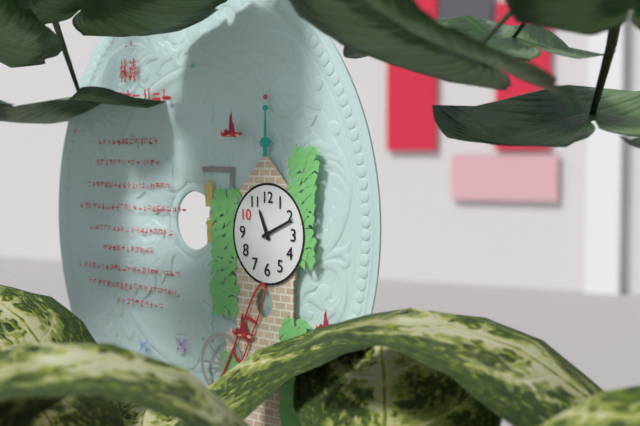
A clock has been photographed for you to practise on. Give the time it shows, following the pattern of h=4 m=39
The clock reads h=11 m=11
